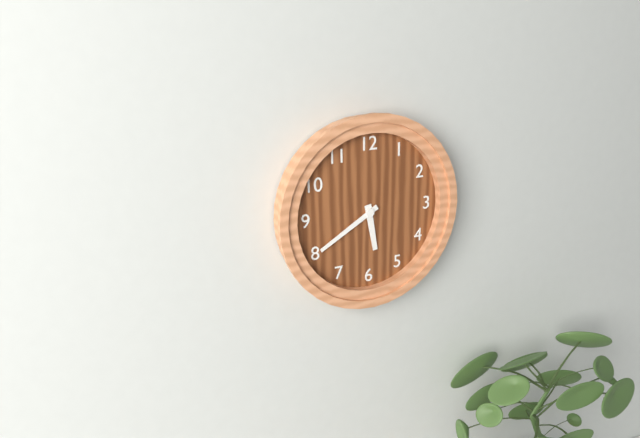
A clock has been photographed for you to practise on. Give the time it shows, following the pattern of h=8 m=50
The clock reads h=5 m=40
